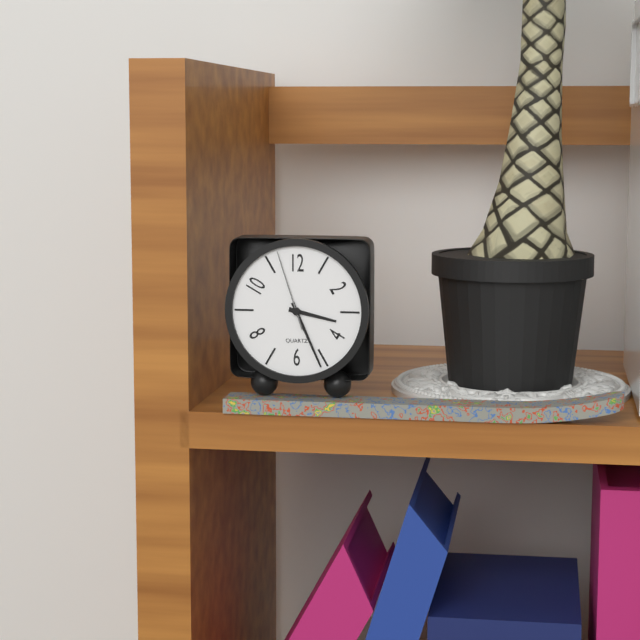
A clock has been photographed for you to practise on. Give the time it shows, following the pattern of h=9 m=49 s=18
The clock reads h=3 m=26 s=57
